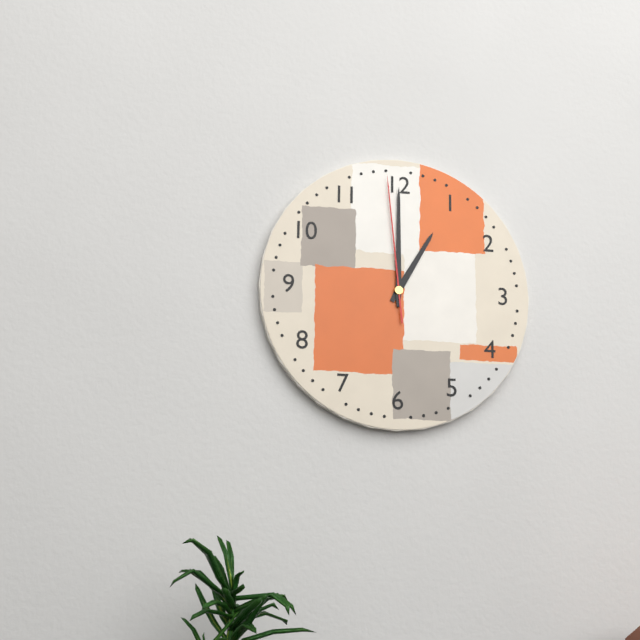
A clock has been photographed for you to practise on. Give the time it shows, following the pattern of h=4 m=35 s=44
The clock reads h=1 m=0 s=59
